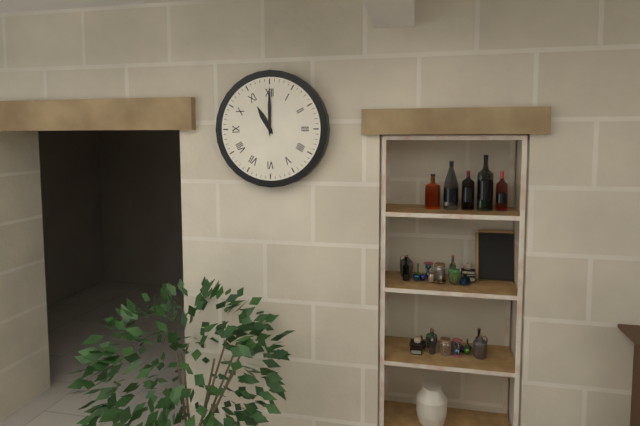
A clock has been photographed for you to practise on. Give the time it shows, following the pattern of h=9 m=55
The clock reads h=11 m=0
